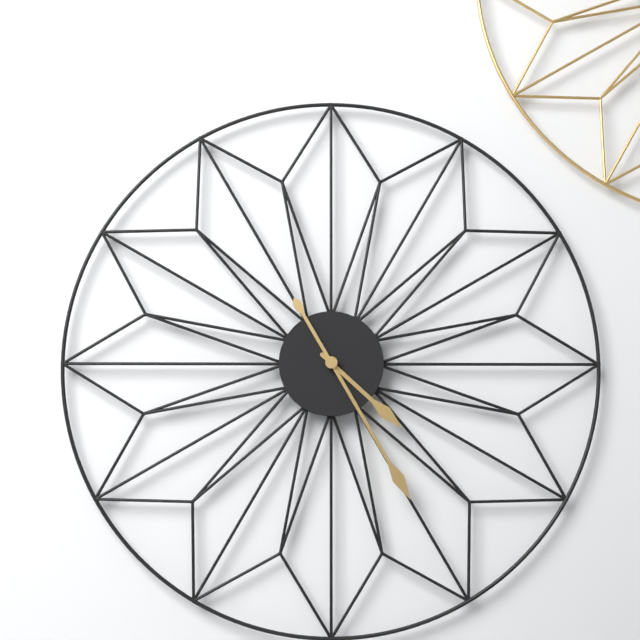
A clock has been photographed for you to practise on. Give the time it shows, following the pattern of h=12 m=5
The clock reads h=4 m=25
